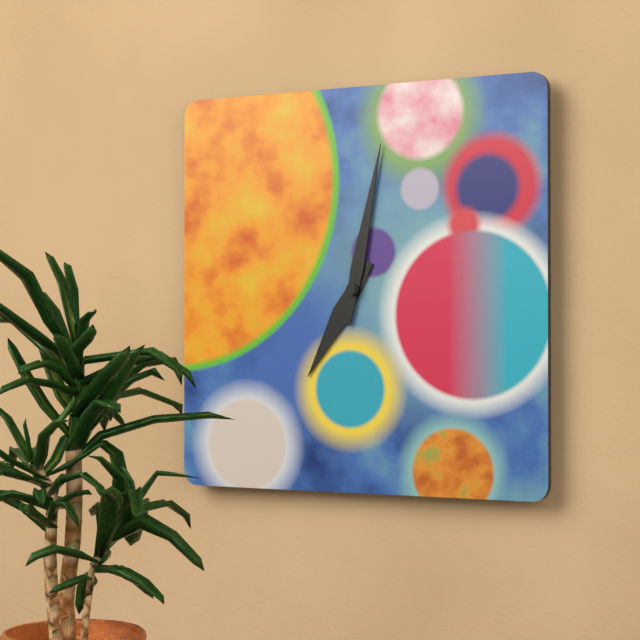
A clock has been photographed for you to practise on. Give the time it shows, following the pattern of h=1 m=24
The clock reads h=7 m=2
